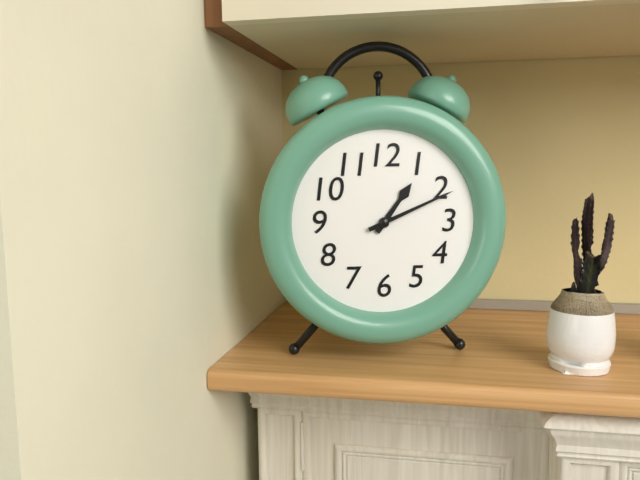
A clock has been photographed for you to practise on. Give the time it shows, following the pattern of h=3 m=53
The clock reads h=1 m=11
